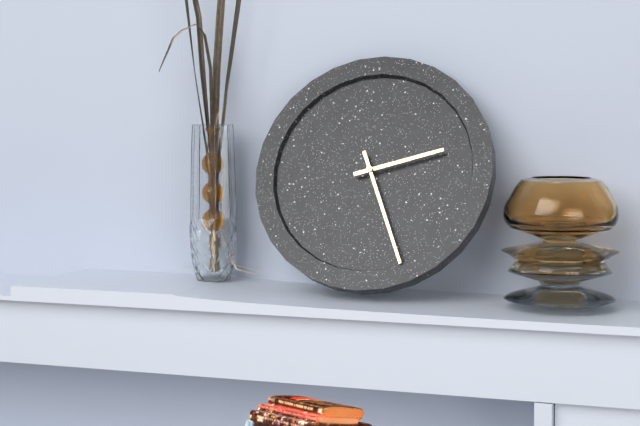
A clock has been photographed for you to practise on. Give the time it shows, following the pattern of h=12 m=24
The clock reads h=2 m=26
